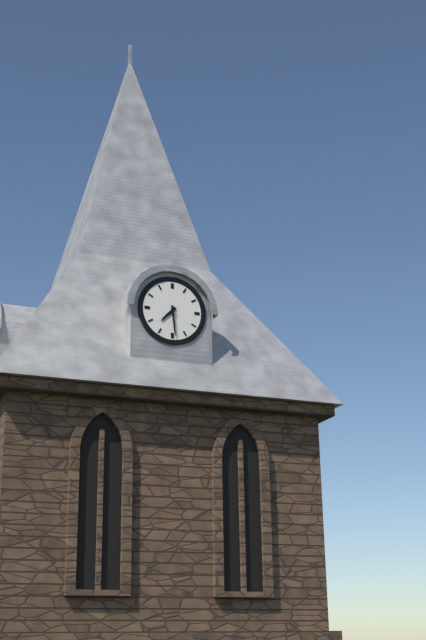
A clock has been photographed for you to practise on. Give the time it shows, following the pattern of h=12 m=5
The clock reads h=7 m=29
